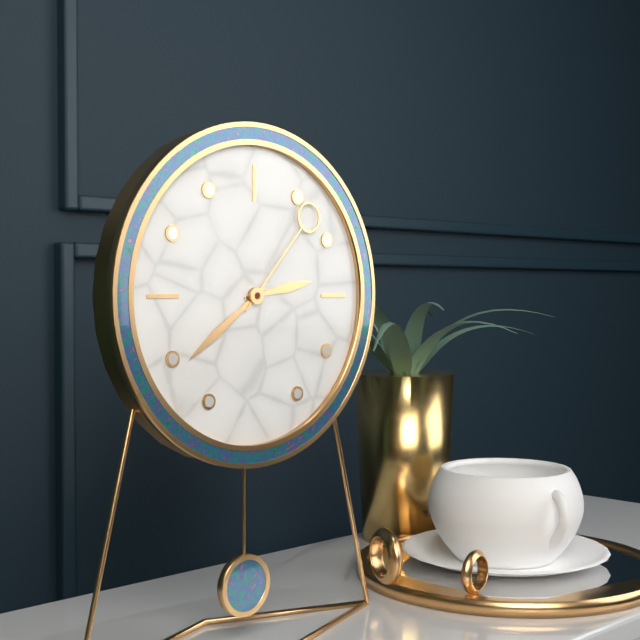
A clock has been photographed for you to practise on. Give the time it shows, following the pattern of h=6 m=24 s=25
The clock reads h=2 m=39 s=7
